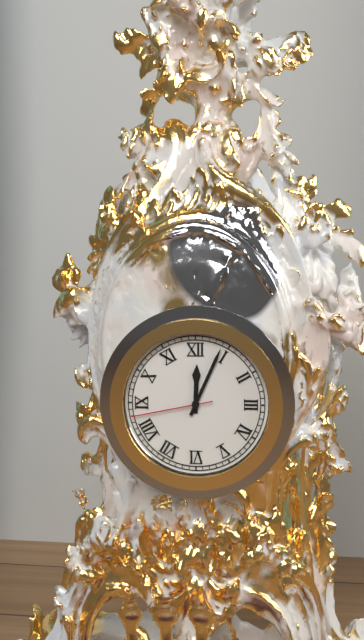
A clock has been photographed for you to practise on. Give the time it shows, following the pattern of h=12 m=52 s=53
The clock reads h=12 m=4 s=43
